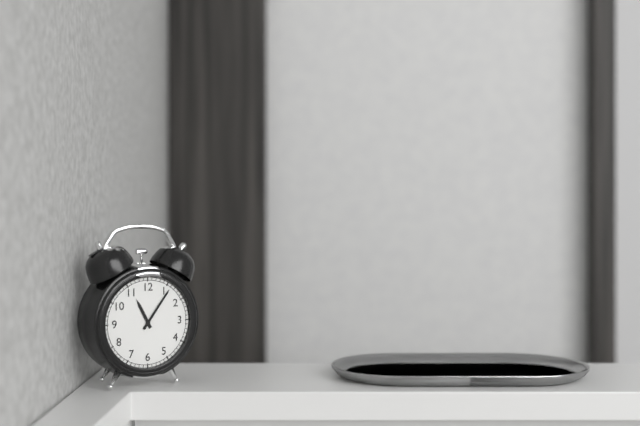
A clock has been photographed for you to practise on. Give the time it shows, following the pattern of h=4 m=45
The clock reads h=11 m=6
